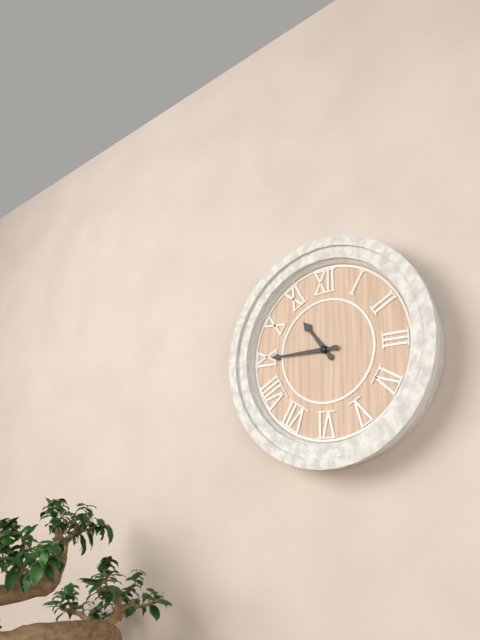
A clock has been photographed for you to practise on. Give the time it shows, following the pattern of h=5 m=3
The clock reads h=10 m=45
